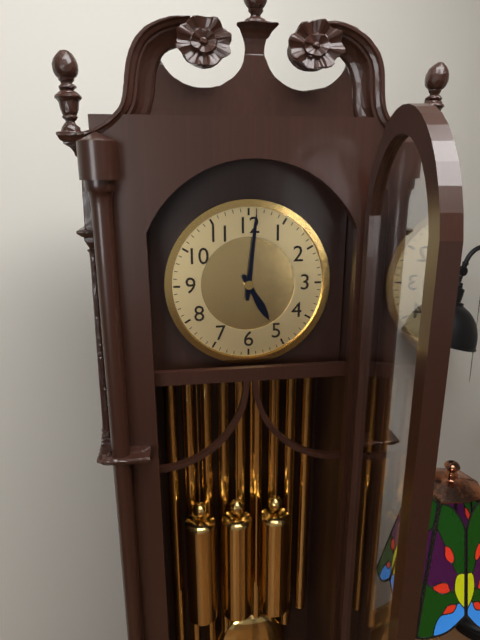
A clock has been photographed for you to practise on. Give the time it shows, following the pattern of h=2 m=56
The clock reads h=5 m=1
